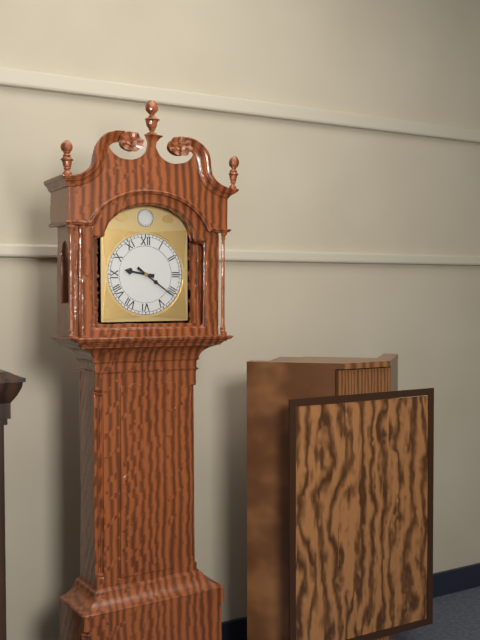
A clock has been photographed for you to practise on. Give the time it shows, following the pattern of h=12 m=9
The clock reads h=9 m=21
